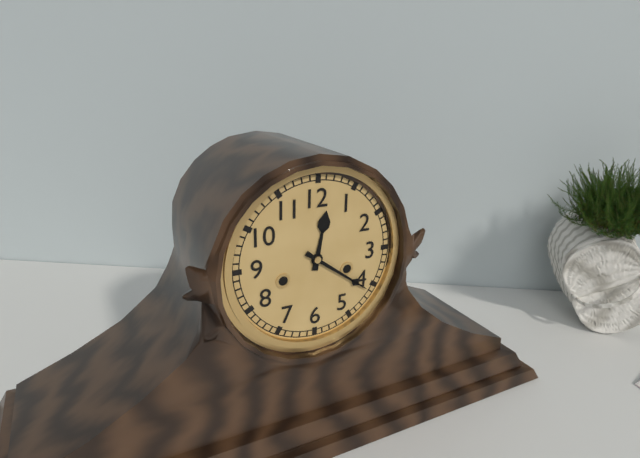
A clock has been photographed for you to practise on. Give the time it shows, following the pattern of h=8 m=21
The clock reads h=12 m=21
